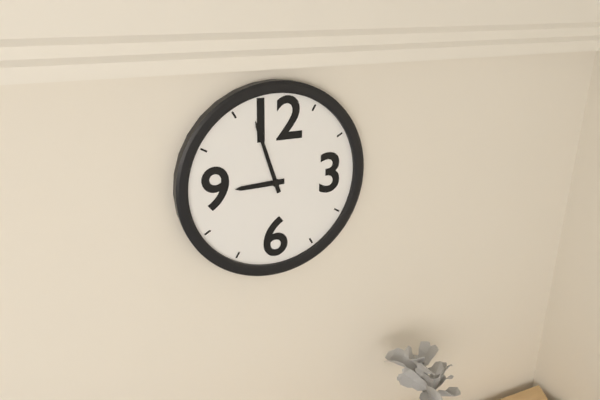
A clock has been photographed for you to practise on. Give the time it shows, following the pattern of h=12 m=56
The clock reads h=8 m=57
